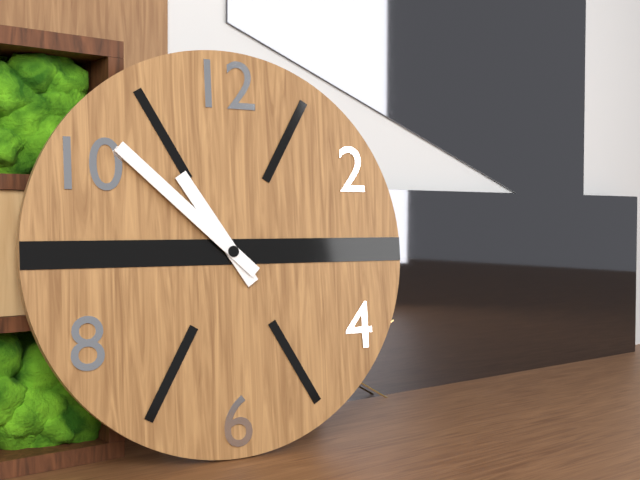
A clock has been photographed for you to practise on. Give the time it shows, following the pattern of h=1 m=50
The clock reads h=10 m=52
